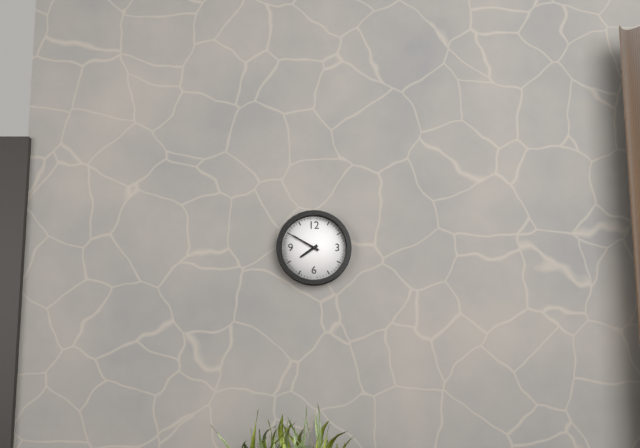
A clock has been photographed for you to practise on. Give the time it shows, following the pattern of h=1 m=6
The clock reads h=7 m=50
